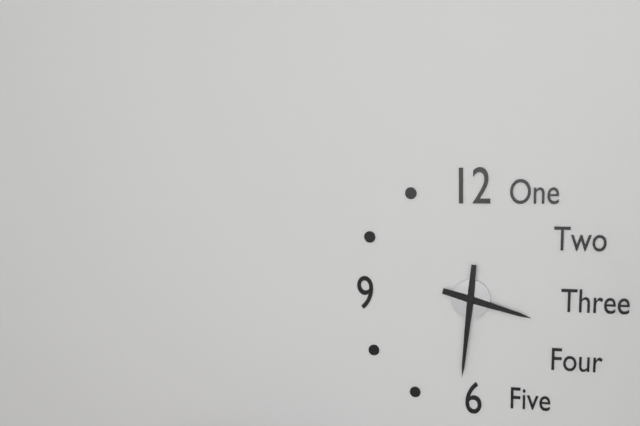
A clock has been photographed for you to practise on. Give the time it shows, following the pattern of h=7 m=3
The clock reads h=3 m=31
